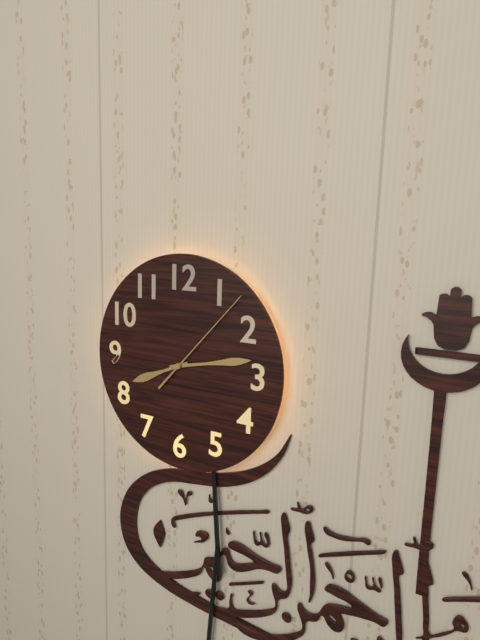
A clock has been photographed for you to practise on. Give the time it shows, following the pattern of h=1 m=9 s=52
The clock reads h=8 m=13 s=7
